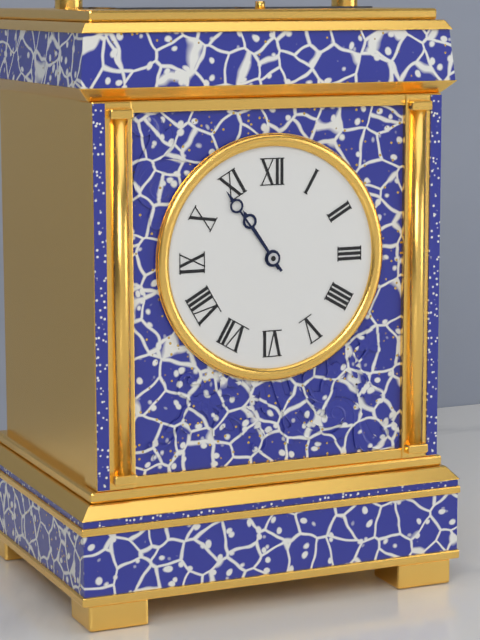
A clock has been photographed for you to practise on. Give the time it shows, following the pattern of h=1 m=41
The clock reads h=10 m=54
